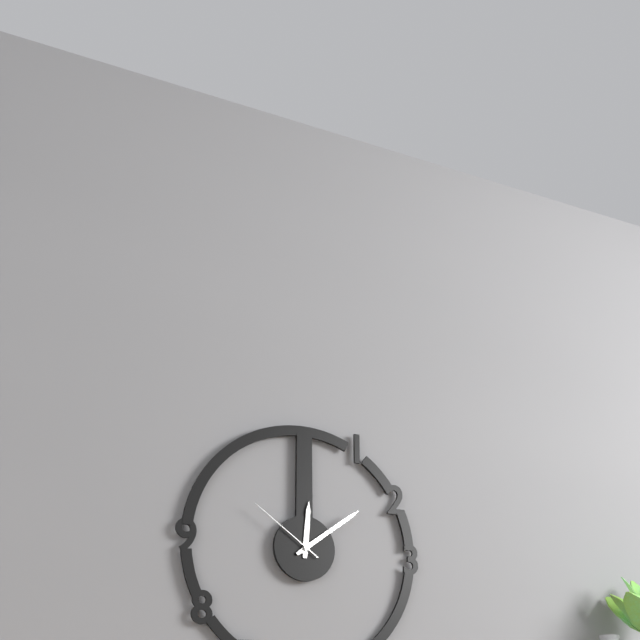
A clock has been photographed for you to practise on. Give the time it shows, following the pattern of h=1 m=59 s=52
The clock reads h=12 m=9 s=51
